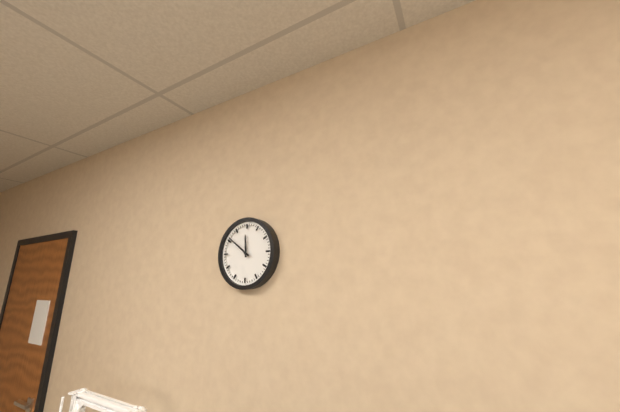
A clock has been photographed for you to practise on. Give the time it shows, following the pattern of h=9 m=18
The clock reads h=11 m=51
